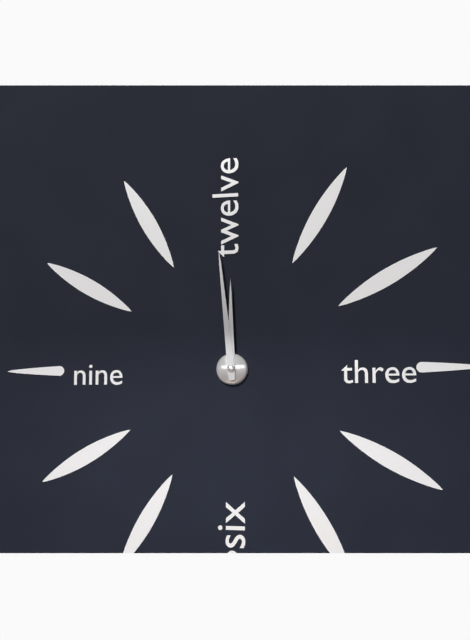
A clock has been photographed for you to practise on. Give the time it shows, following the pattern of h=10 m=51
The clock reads h=11 m=59
